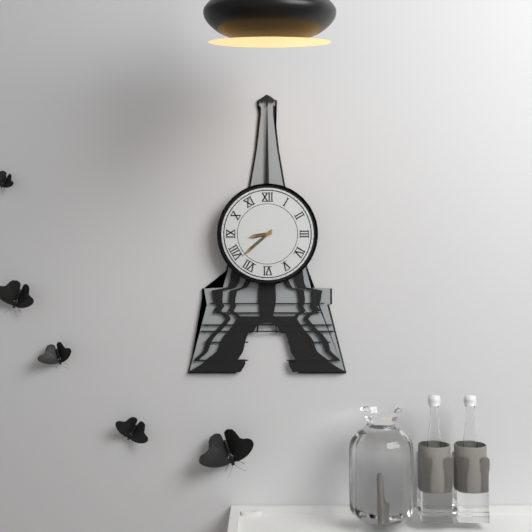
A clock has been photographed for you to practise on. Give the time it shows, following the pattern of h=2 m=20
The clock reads h=8 m=38
